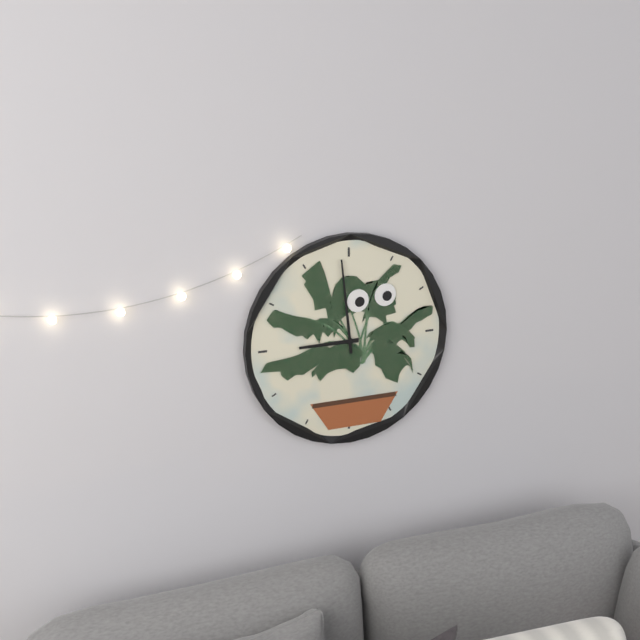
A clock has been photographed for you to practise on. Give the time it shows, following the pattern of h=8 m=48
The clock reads h=8 m=59
